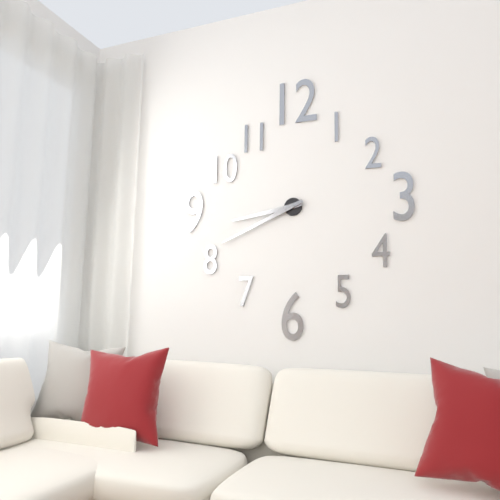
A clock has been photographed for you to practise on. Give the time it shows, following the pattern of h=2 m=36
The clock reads h=8 m=41
